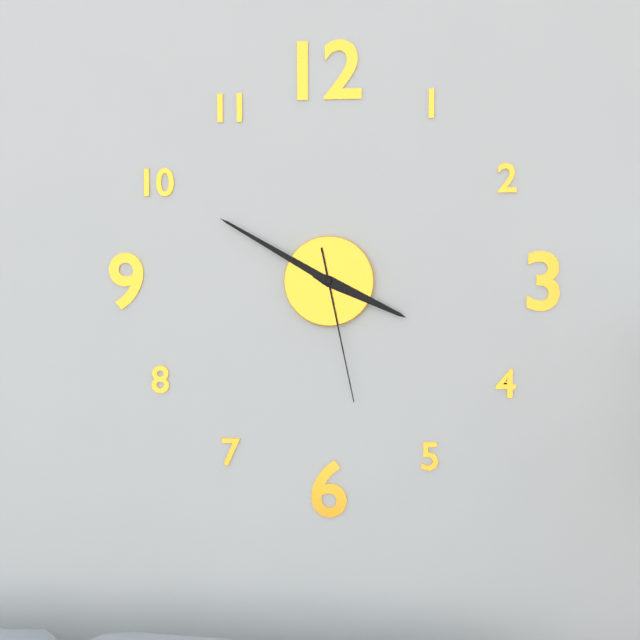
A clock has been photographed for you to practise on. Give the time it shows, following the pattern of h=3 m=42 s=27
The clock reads h=3 m=50 s=28
